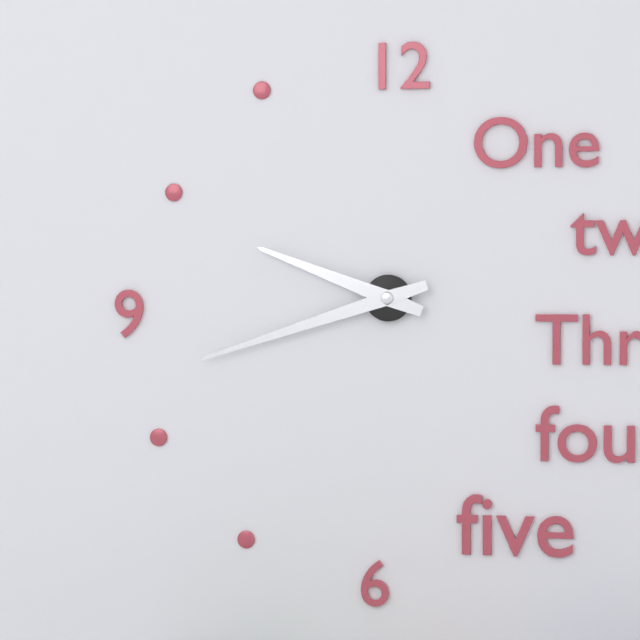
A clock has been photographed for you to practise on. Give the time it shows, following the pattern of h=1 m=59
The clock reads h=9 m=42
